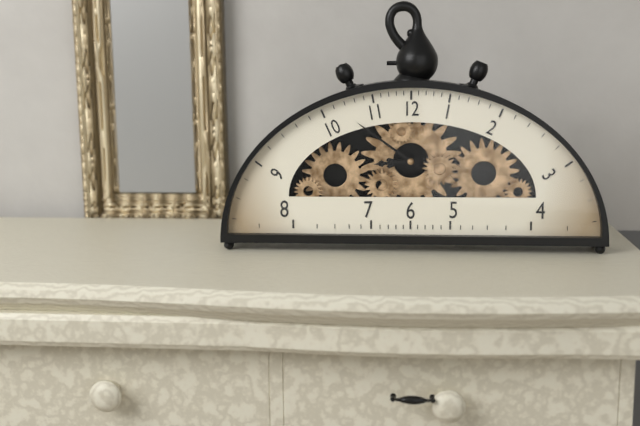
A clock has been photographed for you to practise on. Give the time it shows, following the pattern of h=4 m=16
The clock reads h=8 m=51
